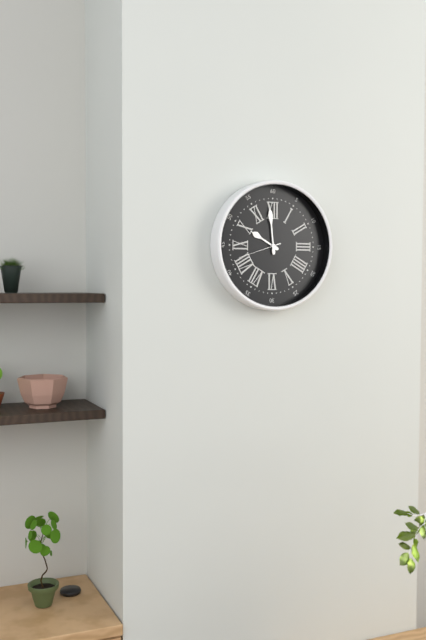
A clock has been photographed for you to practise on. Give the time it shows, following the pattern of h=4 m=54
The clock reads h=9 m=59
